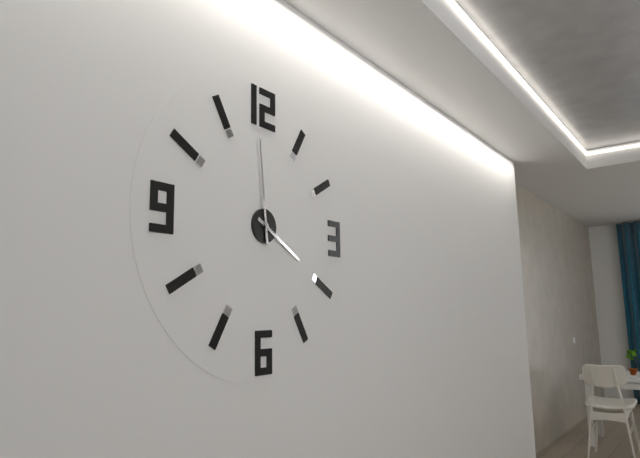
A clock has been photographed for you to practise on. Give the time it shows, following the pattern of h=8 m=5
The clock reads h=3 m=59
